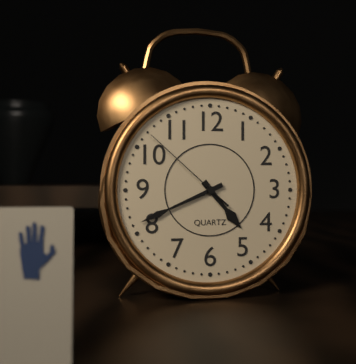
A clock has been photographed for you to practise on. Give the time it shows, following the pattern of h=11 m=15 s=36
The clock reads h=4 m=41 s=52
